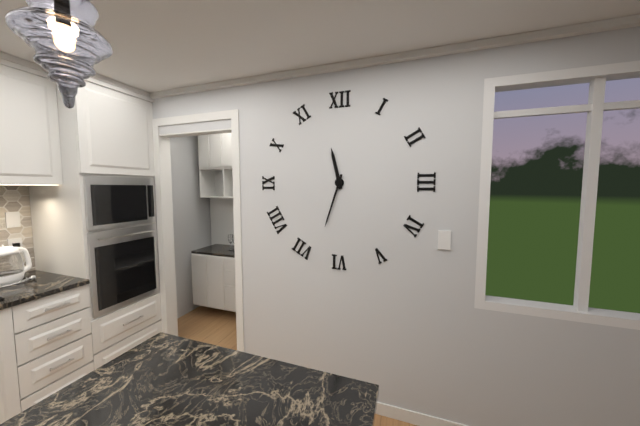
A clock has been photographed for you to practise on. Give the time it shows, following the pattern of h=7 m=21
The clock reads h=11 m=33
